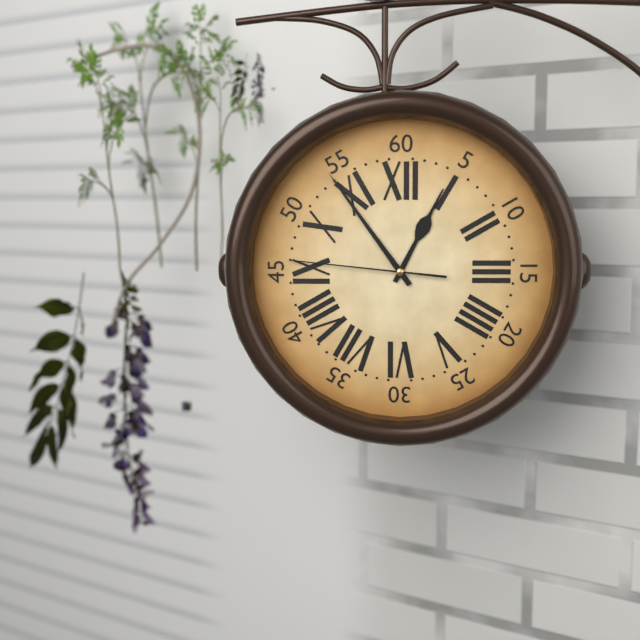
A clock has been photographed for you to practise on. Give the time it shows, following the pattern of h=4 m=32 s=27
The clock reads h=12 m=54 s=46
